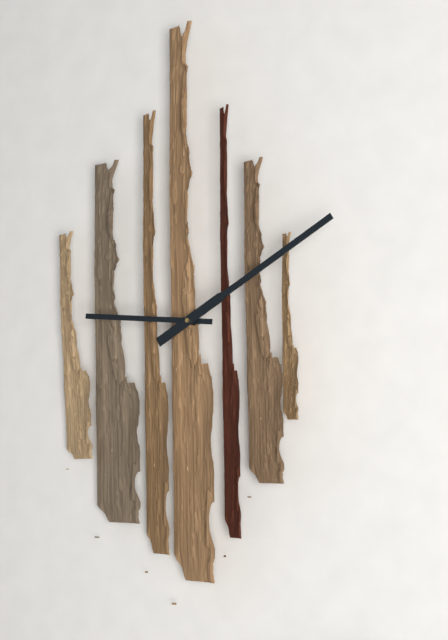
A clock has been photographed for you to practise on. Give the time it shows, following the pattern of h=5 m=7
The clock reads h=9 m=10
